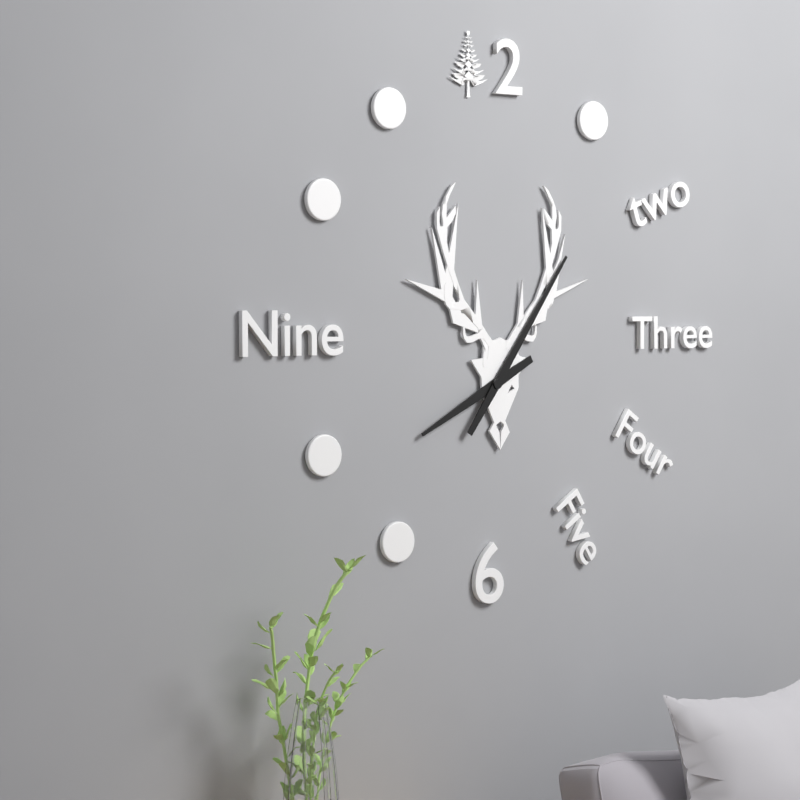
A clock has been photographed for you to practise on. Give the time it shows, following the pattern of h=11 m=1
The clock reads h=8 m=6
